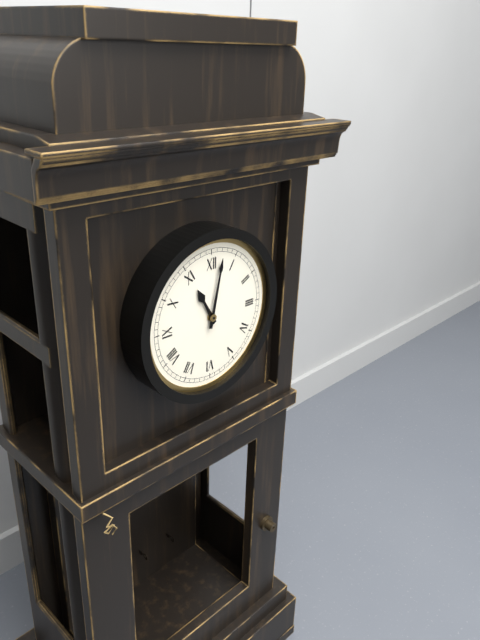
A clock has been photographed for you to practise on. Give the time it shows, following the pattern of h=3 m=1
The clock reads h=11 m=2
